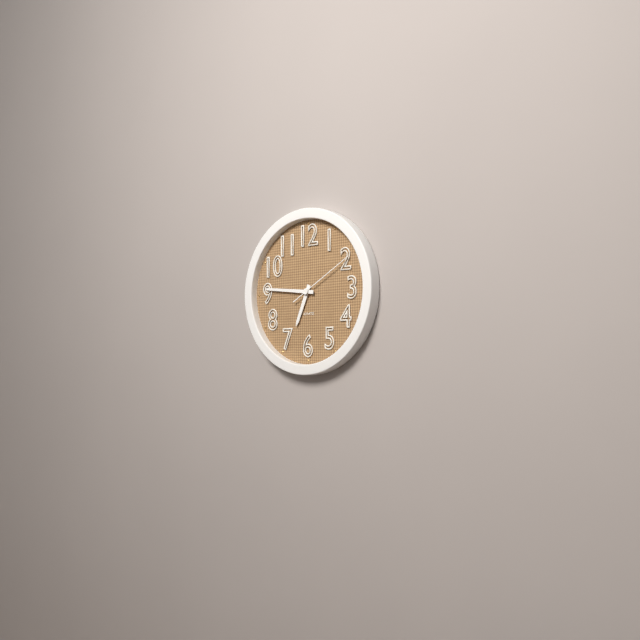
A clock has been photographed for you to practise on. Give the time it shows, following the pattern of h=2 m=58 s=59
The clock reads h=6 m=46 s=10
